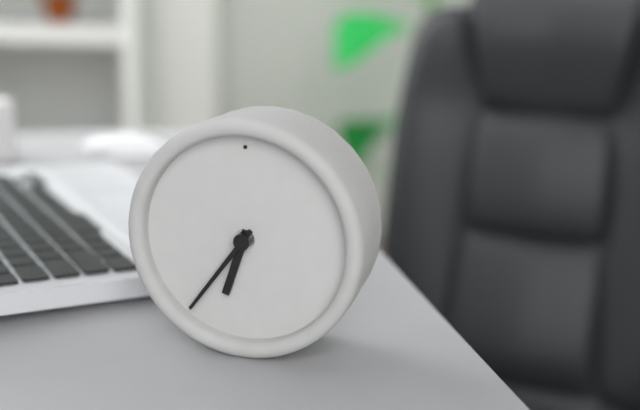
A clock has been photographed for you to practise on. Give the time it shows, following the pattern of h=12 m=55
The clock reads h=6 m=36
